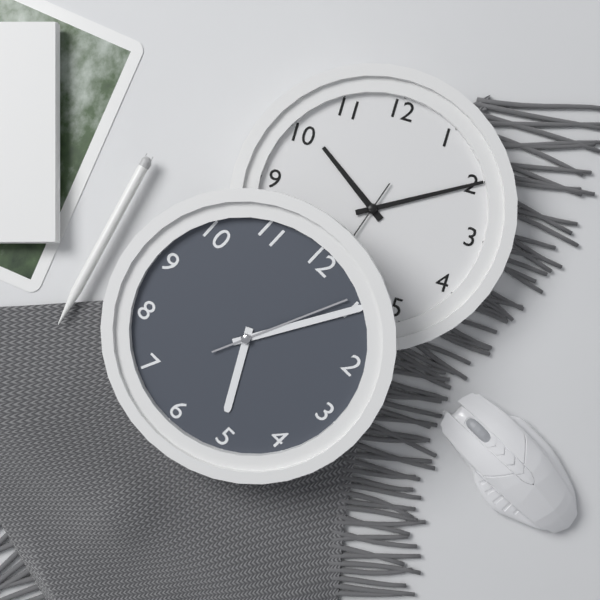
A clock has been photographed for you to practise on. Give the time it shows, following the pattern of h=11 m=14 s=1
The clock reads h=5 m=5 s=4
